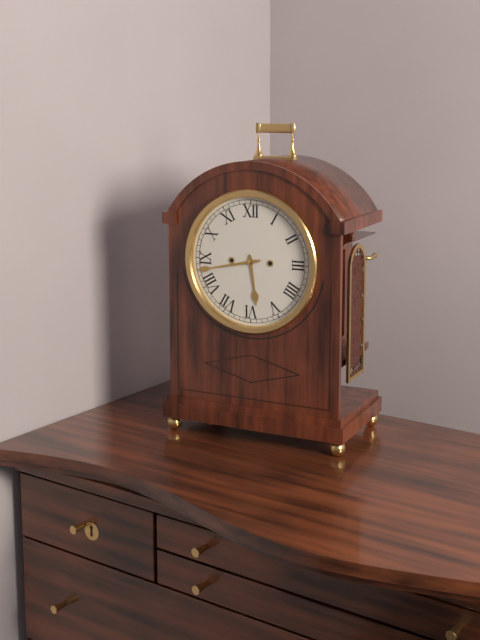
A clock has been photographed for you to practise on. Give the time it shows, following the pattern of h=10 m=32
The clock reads h=5 m=43
